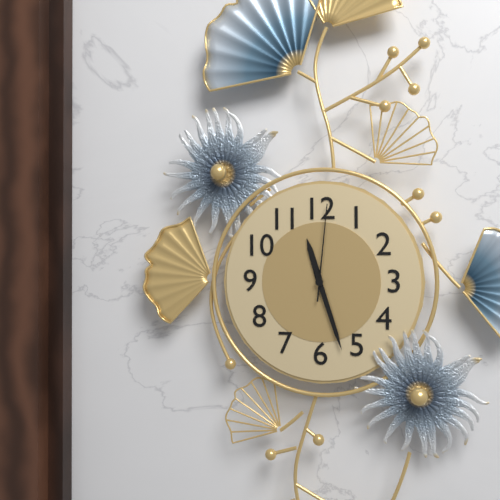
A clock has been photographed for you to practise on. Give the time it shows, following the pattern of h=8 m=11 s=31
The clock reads h=11 m=27 s=1
